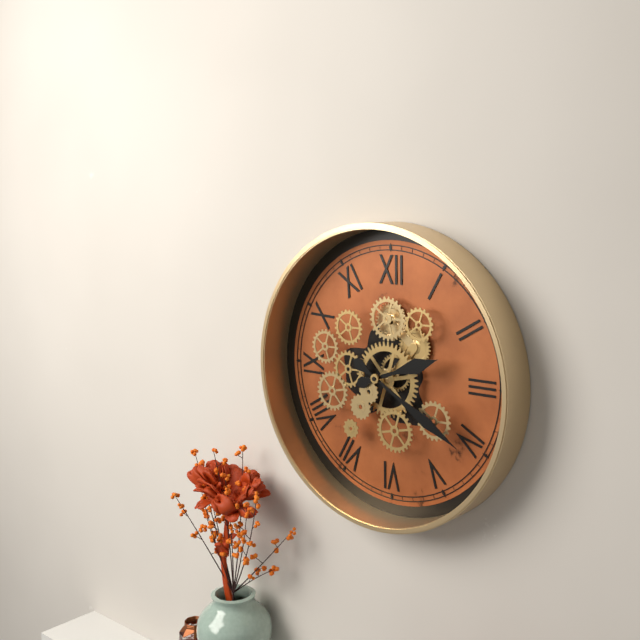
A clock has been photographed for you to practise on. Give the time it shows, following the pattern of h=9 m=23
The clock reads h=2 m=20
